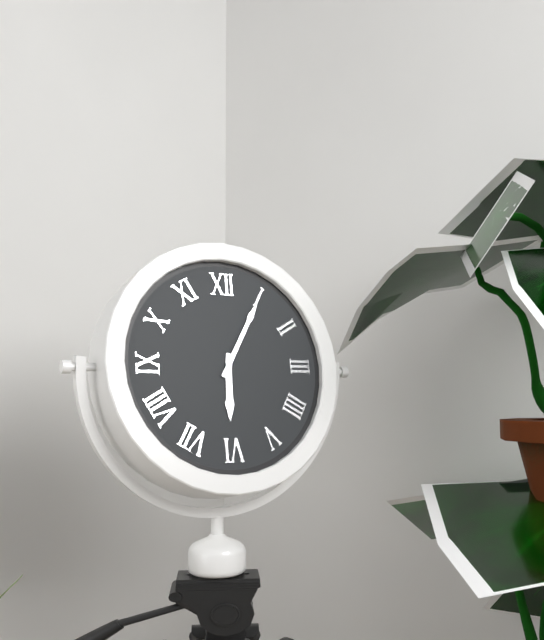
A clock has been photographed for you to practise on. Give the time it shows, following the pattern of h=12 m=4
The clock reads h=6 m=5
